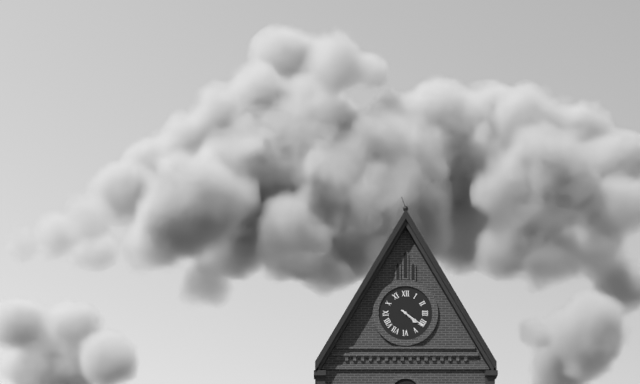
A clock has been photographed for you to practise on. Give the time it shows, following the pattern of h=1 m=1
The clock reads h=4 m=21
